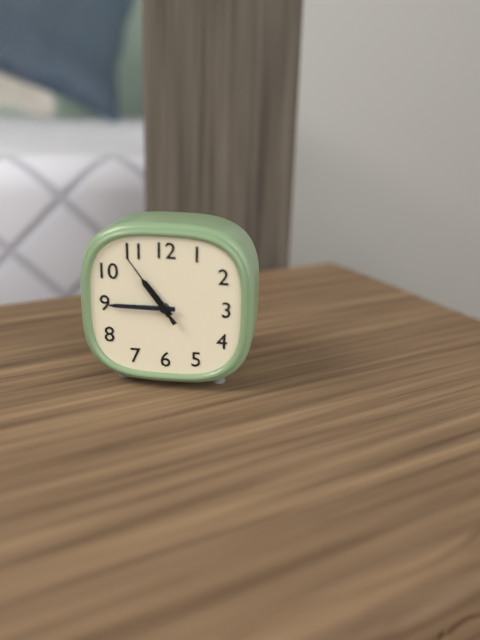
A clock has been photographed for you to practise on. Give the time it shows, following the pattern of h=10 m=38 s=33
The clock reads h=10 m=45 s=54
